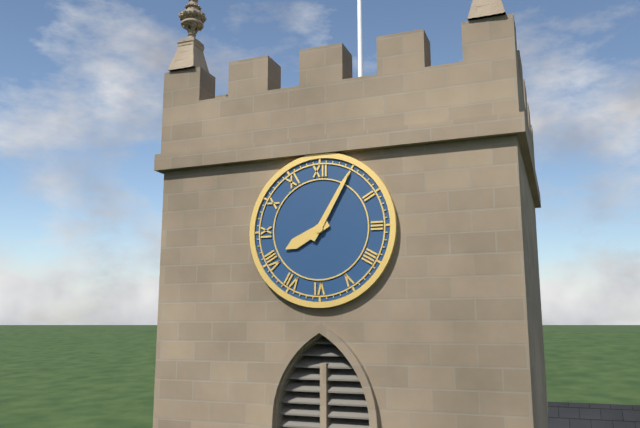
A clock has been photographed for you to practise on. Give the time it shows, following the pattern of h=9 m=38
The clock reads h=8 m=5
